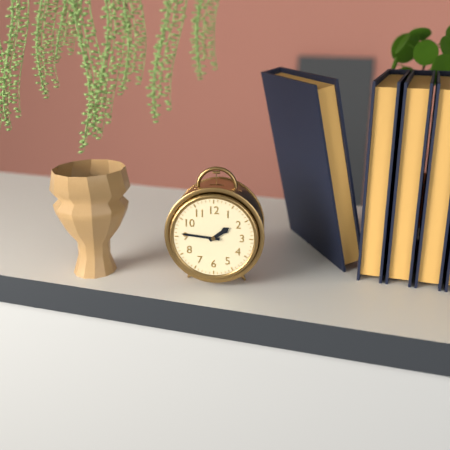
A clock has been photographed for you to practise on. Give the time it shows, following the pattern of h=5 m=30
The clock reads h=1 m=46
